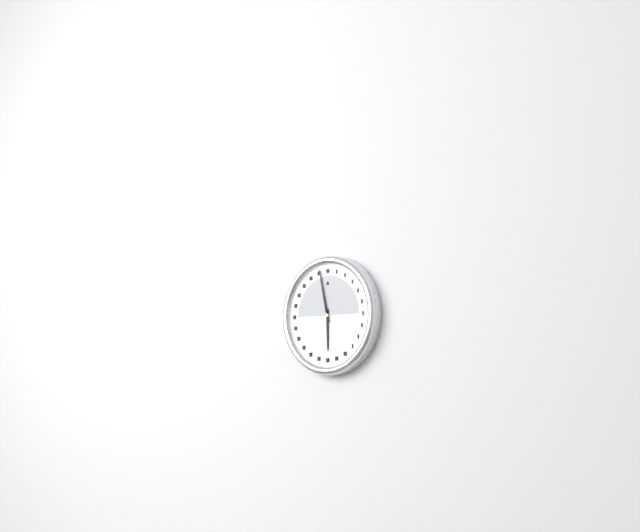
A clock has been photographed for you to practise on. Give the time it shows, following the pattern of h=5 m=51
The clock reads h=5 m=58
